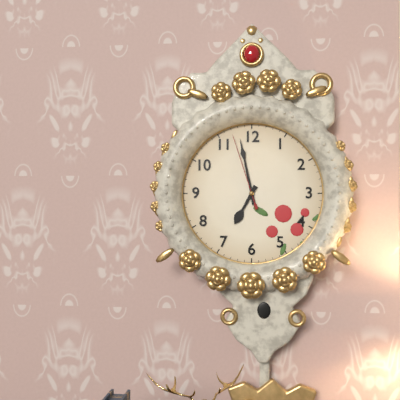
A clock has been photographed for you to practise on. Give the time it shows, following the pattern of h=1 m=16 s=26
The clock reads h=6 m=58 s=57
